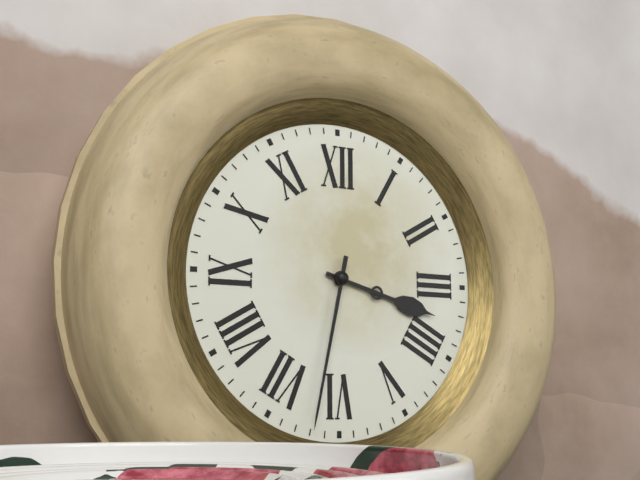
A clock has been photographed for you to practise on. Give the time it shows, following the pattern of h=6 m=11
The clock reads h=3 m=32
